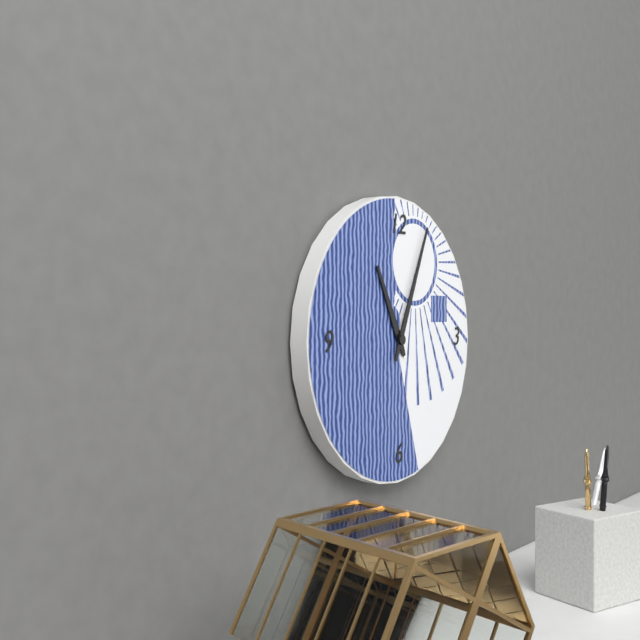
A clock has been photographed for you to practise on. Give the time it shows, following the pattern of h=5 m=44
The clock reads h=11 m=4
